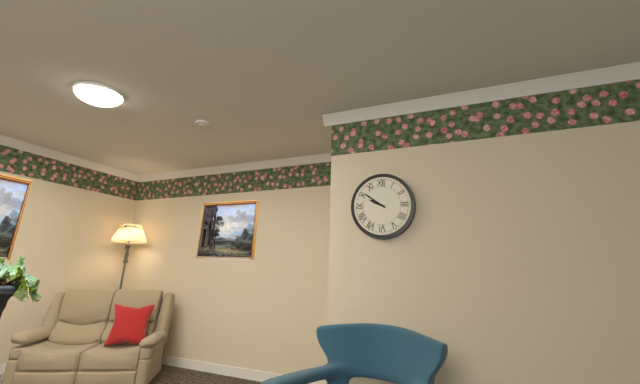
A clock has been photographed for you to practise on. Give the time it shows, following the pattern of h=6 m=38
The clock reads h=9 m=51
